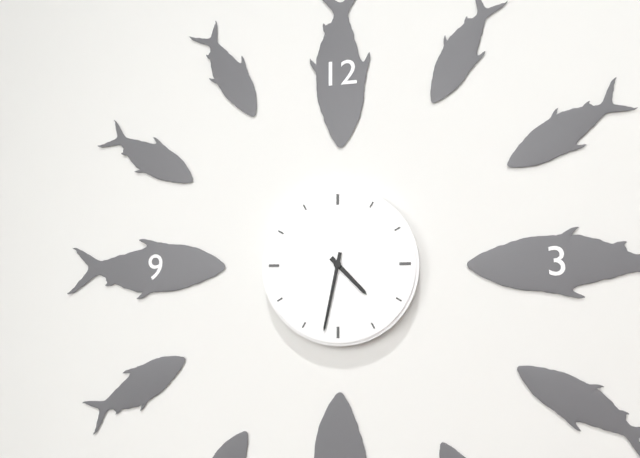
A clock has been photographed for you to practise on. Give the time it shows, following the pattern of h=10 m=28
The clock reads h=4 m=32
